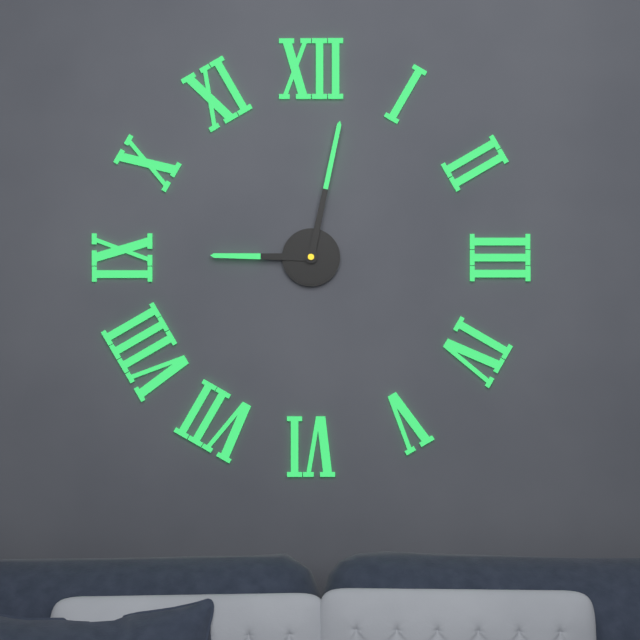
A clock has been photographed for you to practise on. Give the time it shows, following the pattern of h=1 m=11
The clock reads h=9 m=2
